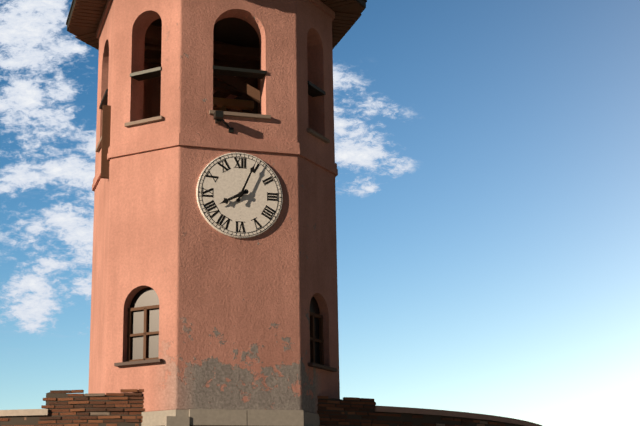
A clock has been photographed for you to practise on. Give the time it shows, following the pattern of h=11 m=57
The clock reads h=8 m=4
